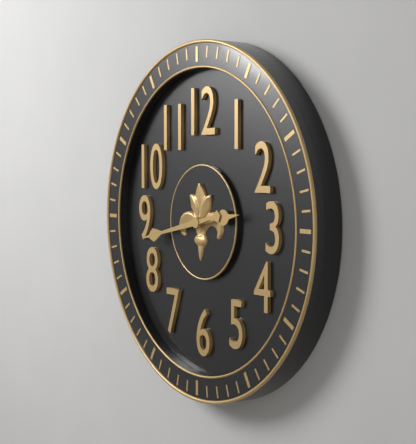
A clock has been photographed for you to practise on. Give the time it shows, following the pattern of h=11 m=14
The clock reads h=2 m=43
